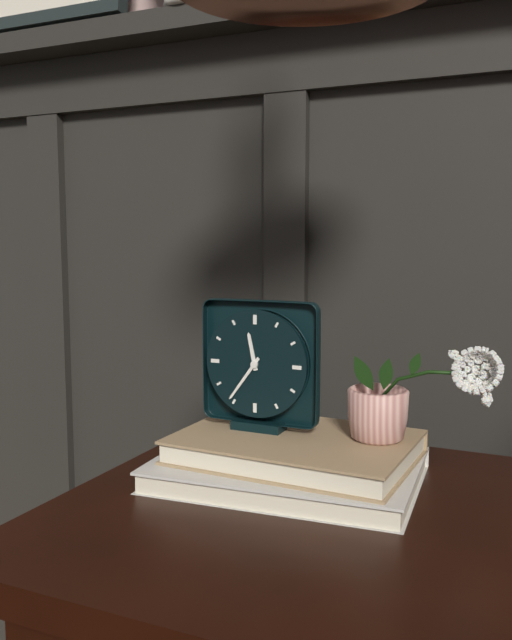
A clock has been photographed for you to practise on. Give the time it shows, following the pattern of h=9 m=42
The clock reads h=11 m=36
